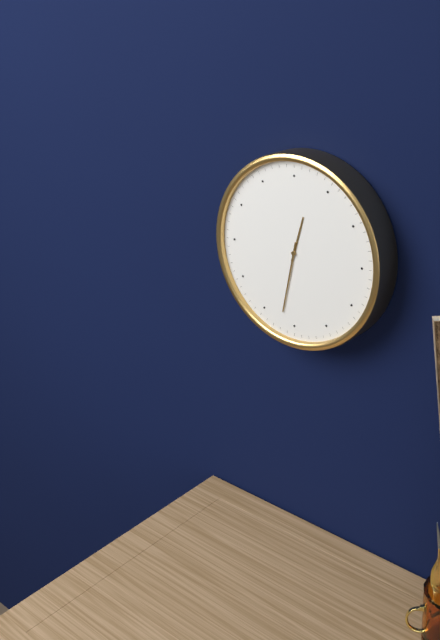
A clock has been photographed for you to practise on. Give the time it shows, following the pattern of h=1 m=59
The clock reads h=12 m=32
